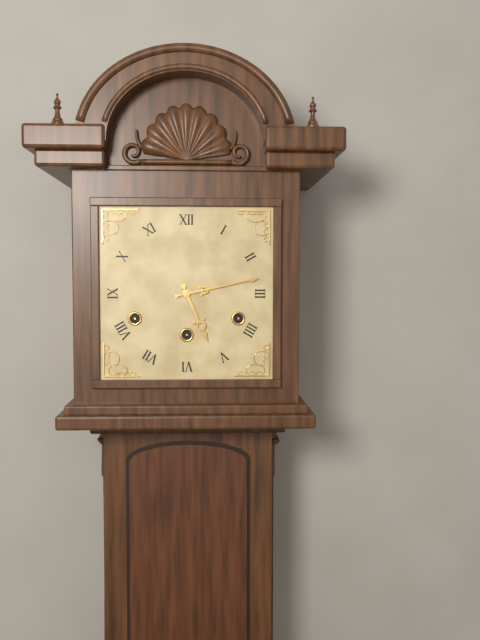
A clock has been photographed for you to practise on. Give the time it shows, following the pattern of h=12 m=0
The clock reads h=5 m=13
